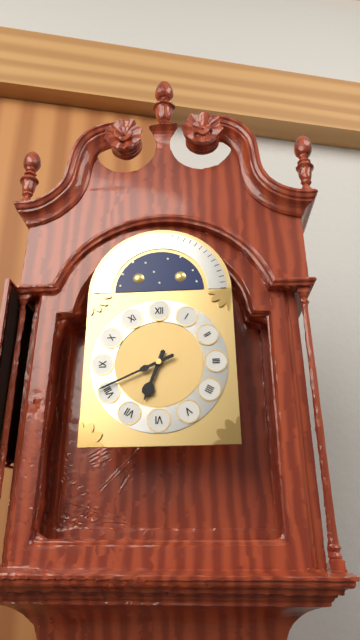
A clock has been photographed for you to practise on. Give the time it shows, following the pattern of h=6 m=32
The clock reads h=6 m=41
